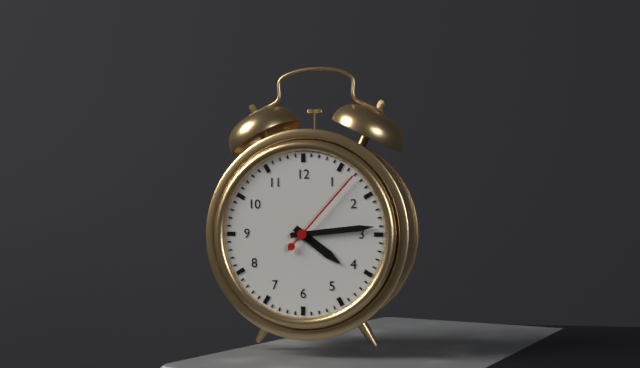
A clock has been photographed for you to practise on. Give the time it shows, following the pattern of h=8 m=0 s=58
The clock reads h=4 m=14 s=7
